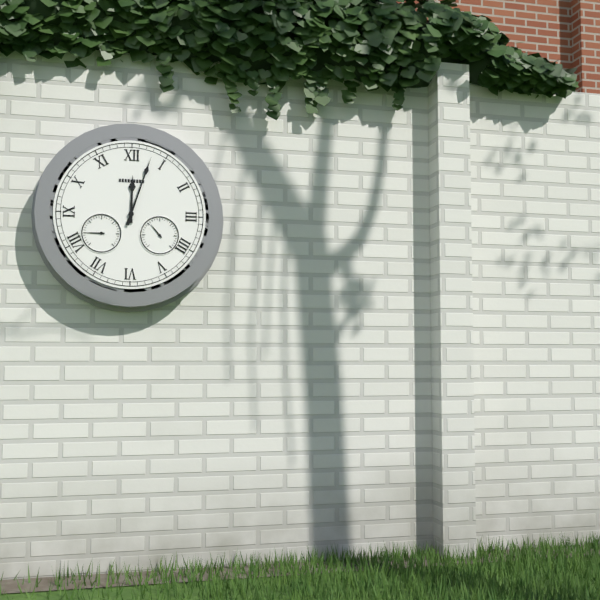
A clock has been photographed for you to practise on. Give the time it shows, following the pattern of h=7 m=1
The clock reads h=12 m=3
